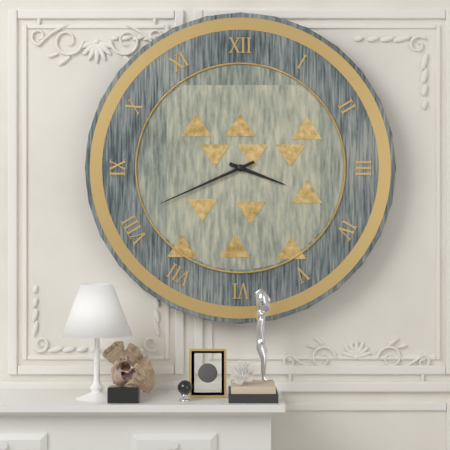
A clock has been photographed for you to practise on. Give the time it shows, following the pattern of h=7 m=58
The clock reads h=3 m=41
